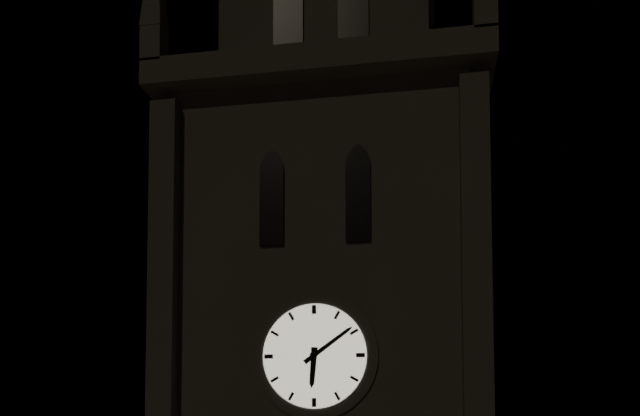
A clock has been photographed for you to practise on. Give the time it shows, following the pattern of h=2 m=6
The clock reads h=6 m=9
